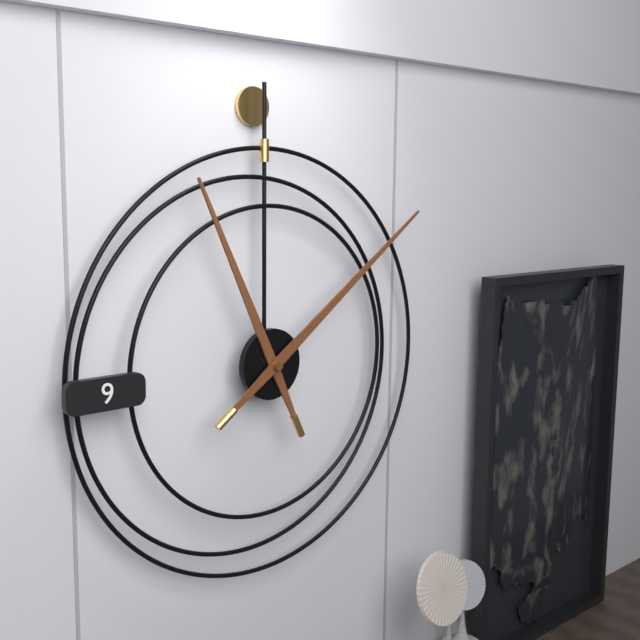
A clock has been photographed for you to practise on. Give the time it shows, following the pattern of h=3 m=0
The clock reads h=11 m=9
